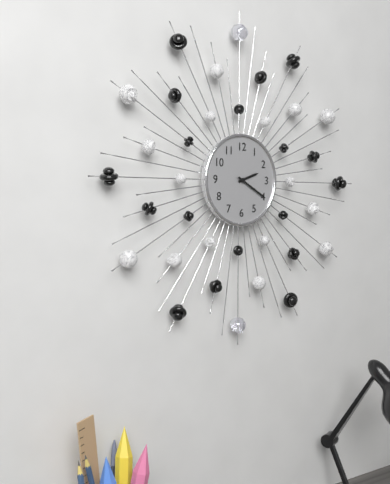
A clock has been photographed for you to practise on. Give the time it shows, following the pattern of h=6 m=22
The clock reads h=2 m=20
